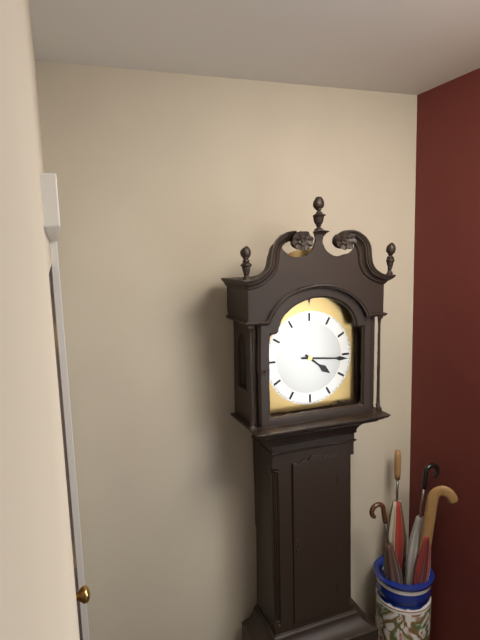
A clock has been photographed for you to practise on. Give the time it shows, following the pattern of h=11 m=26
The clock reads h=4 m=16
